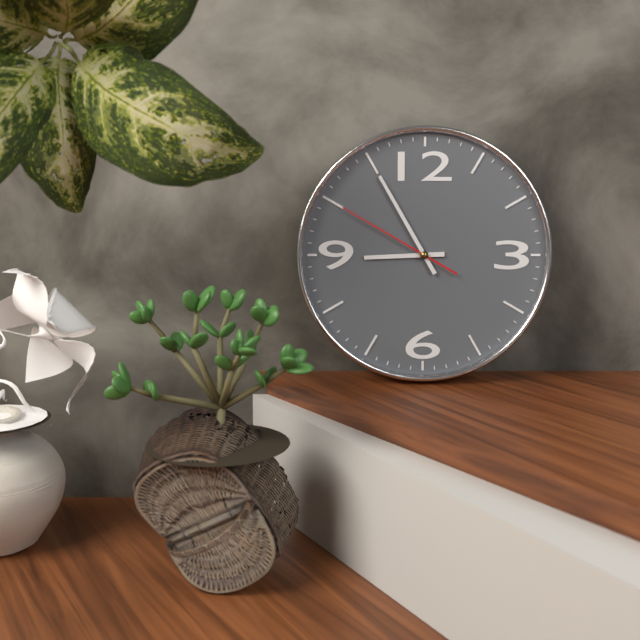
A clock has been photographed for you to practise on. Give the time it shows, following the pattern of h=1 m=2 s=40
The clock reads h=8 m=55 s=50
